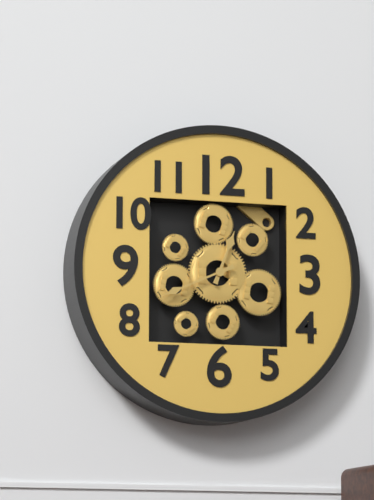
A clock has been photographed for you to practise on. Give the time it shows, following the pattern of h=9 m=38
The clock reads h=12 m=41
